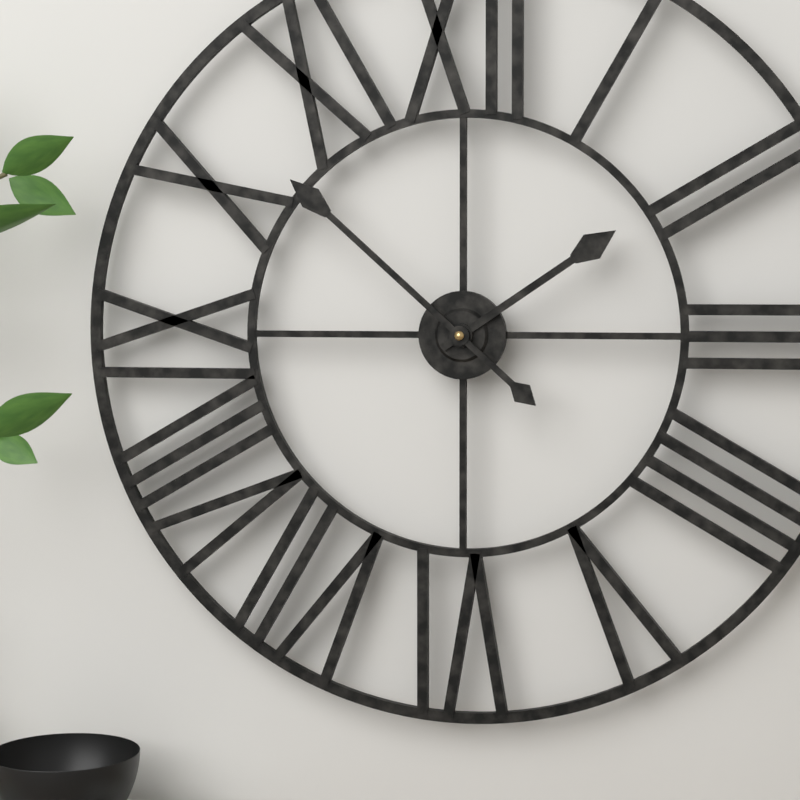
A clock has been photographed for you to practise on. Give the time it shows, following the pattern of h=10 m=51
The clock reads h=1 m=52
